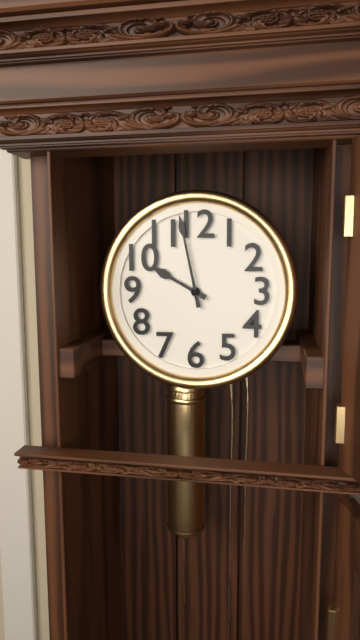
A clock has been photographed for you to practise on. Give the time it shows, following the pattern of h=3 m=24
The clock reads h=9 m=58
